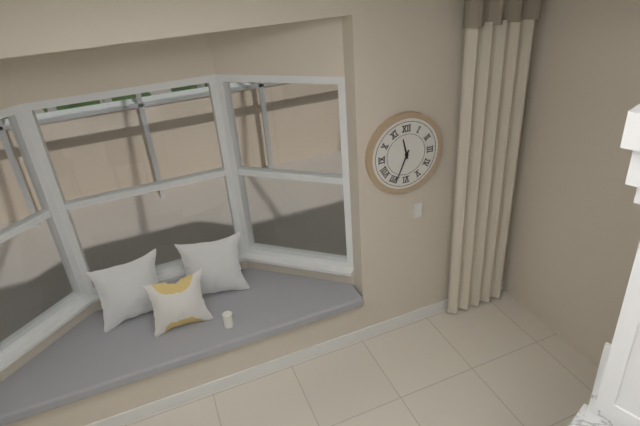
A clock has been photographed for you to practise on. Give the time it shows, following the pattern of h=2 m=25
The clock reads h=11 m=34
